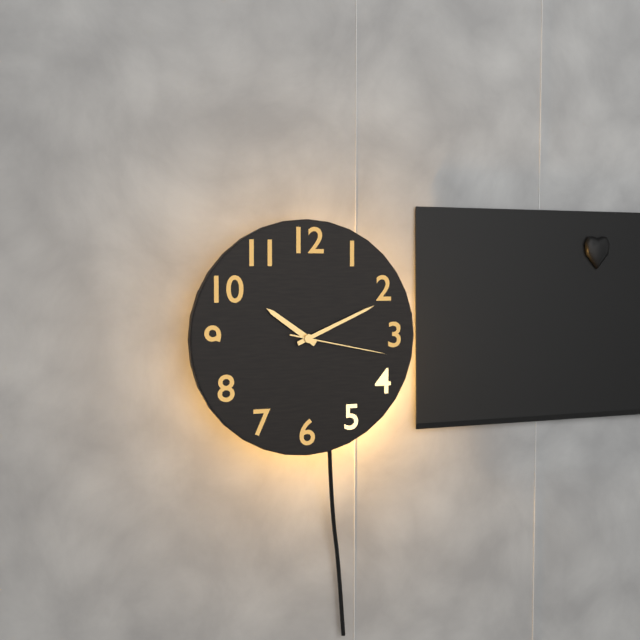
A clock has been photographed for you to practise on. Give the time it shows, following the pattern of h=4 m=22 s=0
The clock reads h=10 m=11 s=17
